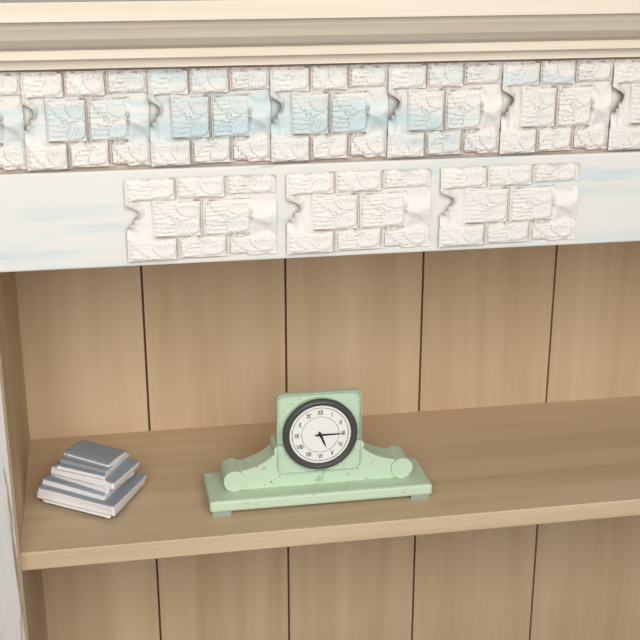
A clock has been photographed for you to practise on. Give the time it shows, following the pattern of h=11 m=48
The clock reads h=5 m=15
